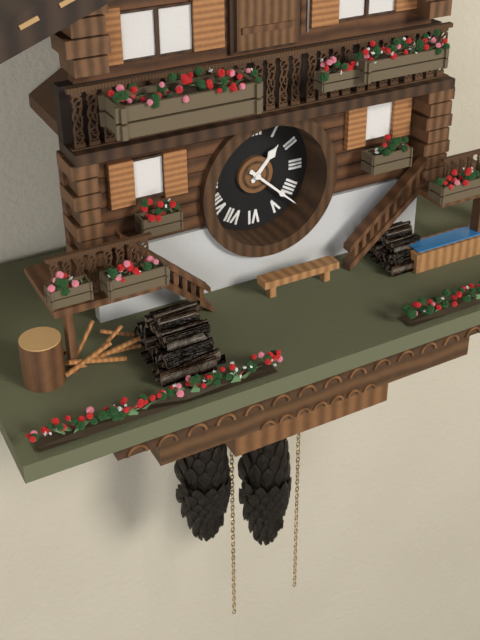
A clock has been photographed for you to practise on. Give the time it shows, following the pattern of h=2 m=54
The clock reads h=1 m=22
